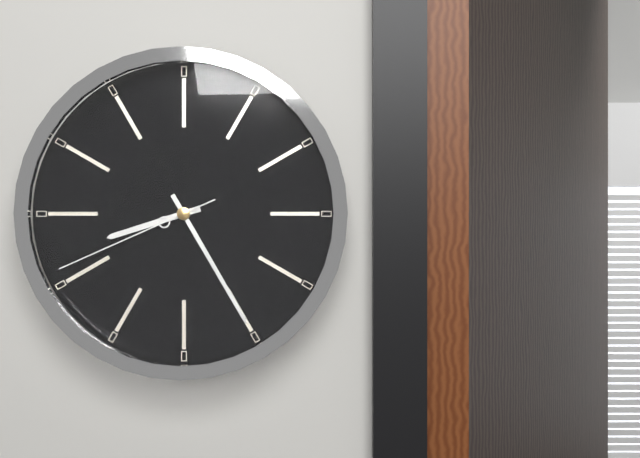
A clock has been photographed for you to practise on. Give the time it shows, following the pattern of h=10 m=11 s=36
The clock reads h=8 m=25 s=41
